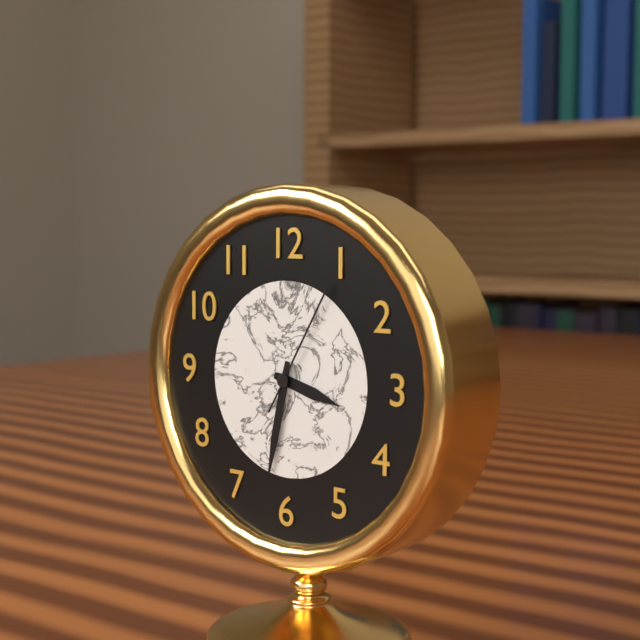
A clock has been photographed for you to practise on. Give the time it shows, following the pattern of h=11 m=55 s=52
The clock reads h=3 m=32 s=5
